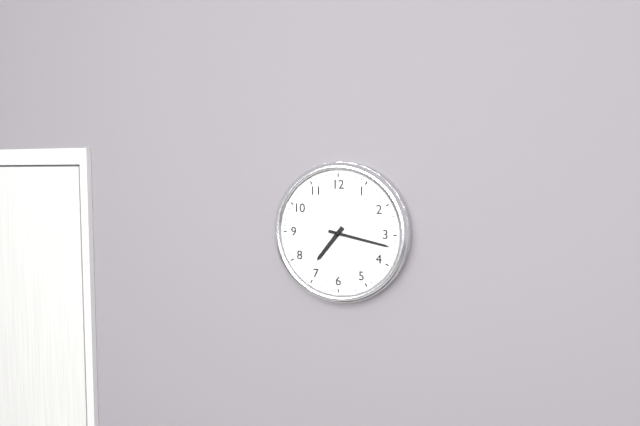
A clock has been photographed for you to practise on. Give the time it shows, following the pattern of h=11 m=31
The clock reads h=7 m=17
